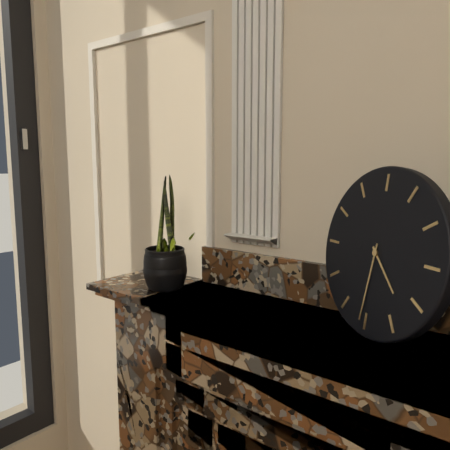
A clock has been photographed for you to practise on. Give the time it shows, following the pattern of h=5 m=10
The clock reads h=4 m=31
